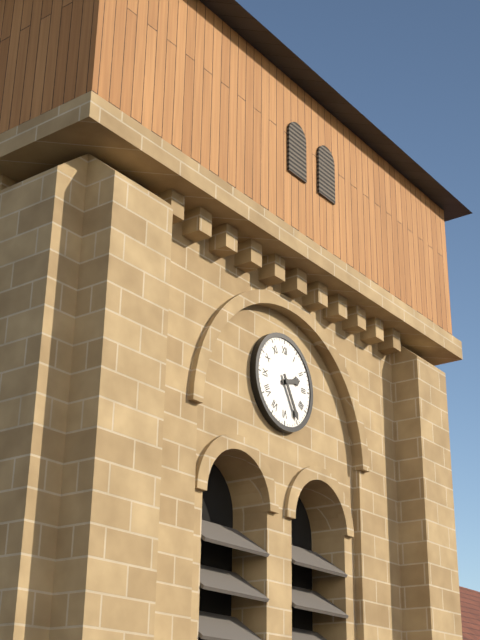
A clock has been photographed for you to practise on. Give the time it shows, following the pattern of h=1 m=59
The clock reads h=2 m=25
